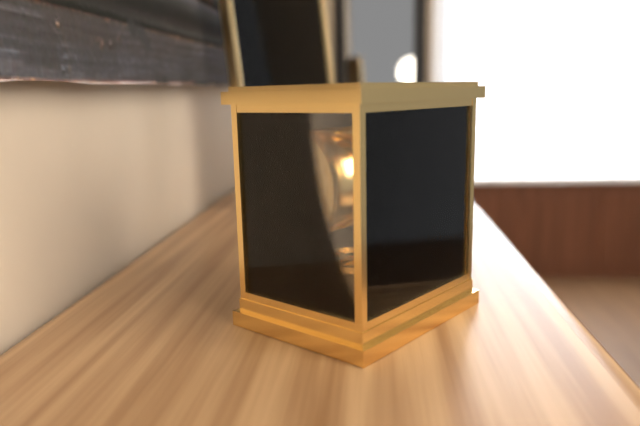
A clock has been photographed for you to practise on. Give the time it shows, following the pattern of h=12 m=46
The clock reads h=1 m=3
